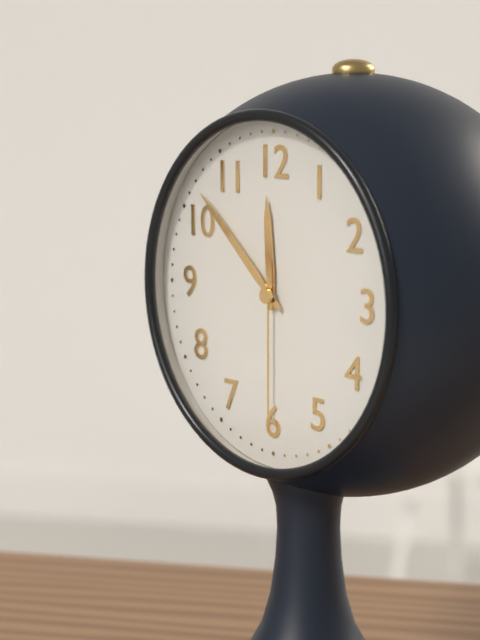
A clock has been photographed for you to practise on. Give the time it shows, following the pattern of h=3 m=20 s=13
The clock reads h=11 m=52 s=30
